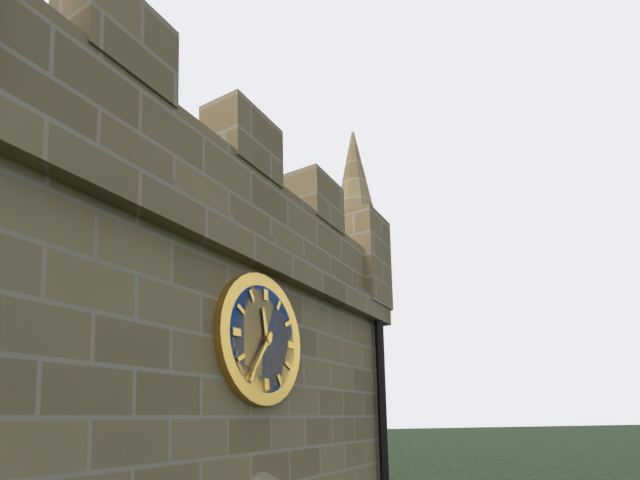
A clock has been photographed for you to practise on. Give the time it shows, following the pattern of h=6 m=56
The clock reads h=11 m=36
